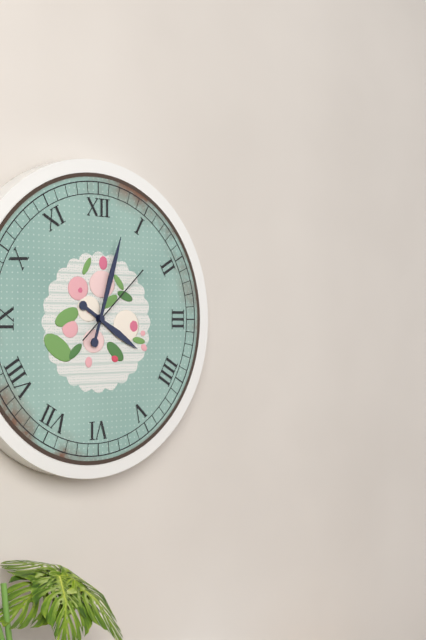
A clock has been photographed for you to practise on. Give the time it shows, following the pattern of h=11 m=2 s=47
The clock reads h=4 m=3 s=8
